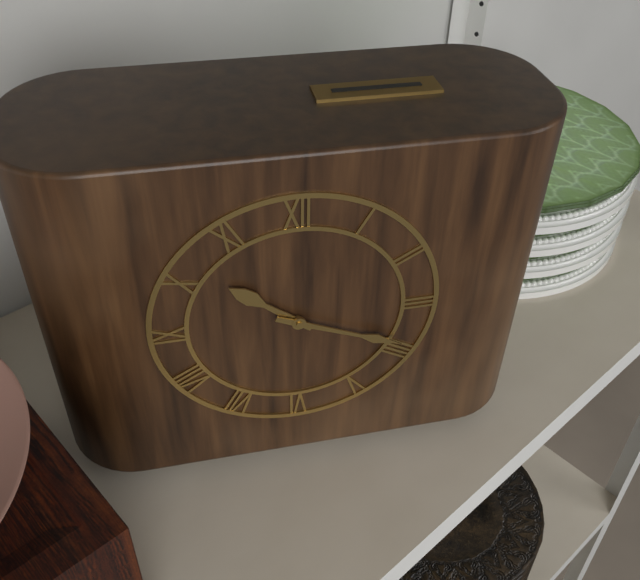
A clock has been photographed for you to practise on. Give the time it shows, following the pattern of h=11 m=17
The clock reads h=10 m=19
